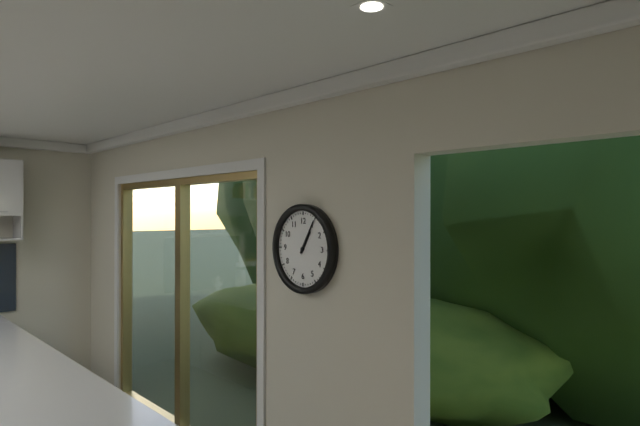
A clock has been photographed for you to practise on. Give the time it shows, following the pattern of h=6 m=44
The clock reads h=1 m=5
